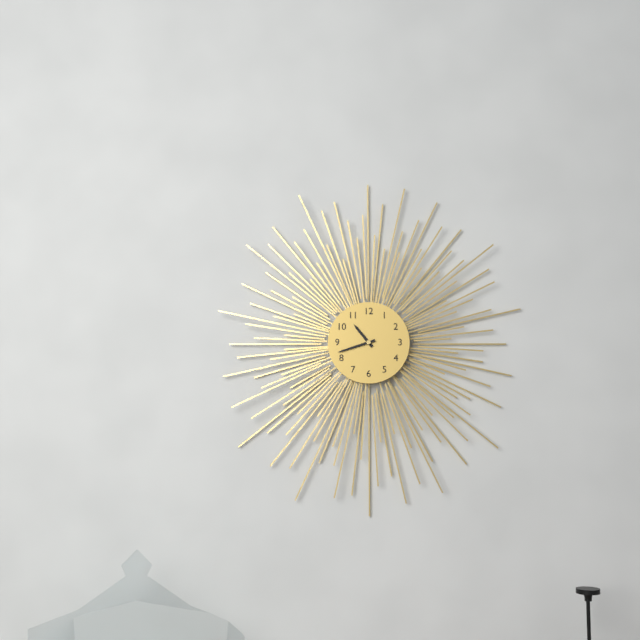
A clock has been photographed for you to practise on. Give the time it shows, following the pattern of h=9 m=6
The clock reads h=10 m=42
